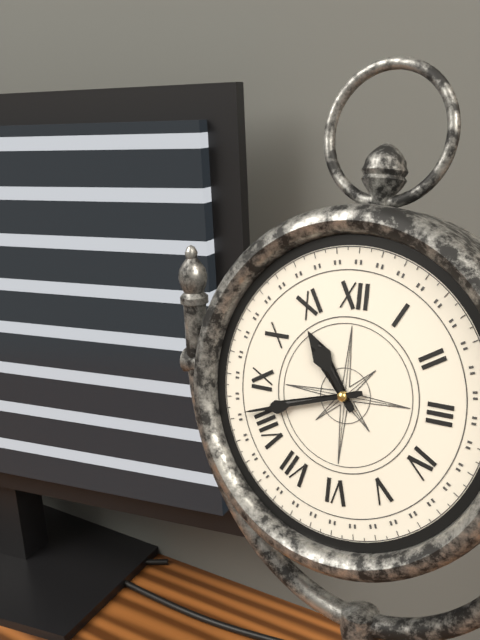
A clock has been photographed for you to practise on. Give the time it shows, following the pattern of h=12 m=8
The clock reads h=10 m=42
